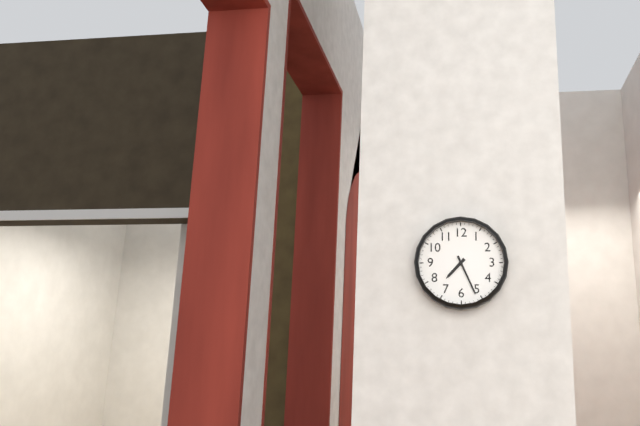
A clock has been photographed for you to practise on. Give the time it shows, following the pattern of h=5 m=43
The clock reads h=7 m=26
